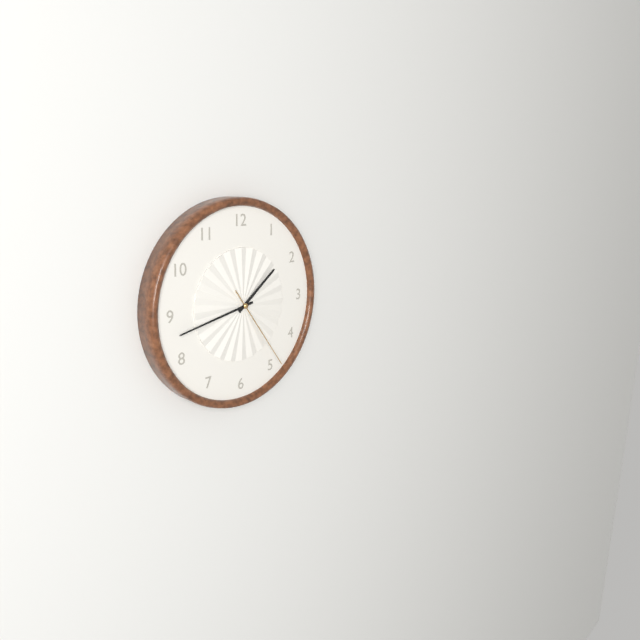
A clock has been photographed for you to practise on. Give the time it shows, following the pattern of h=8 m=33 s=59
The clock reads h=1 m=43 s=24
